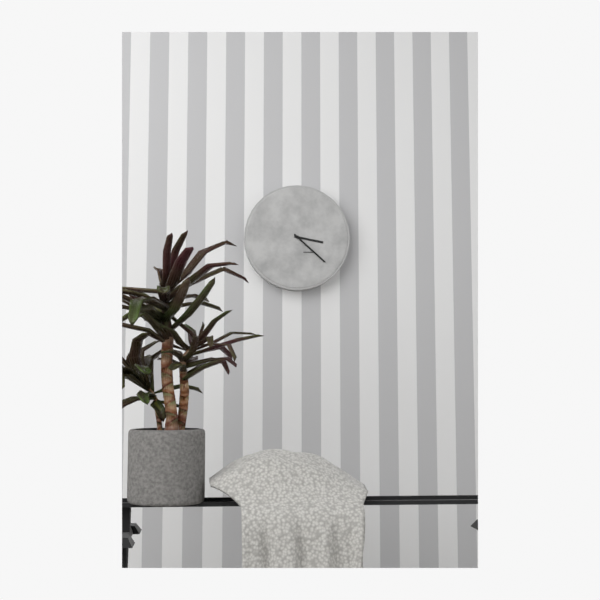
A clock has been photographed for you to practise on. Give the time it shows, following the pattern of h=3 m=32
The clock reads h=3 m=22
